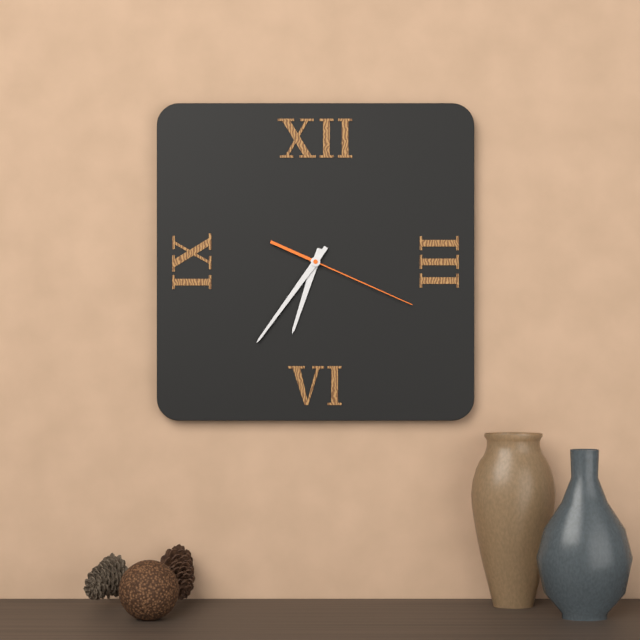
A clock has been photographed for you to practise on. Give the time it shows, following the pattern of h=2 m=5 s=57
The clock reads h=6 m=36 s=19
